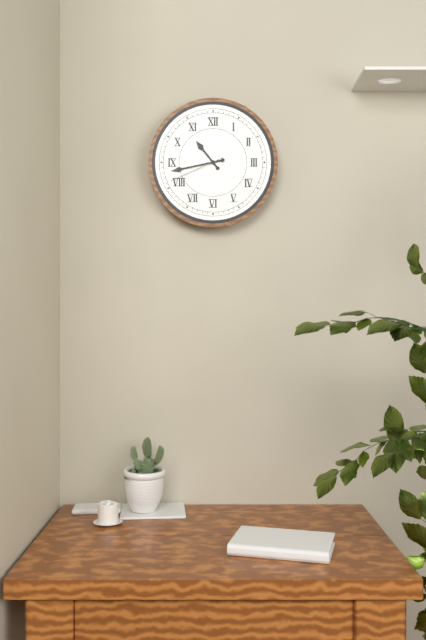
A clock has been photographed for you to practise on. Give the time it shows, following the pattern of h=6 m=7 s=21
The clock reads h=10 m=43 s=41
